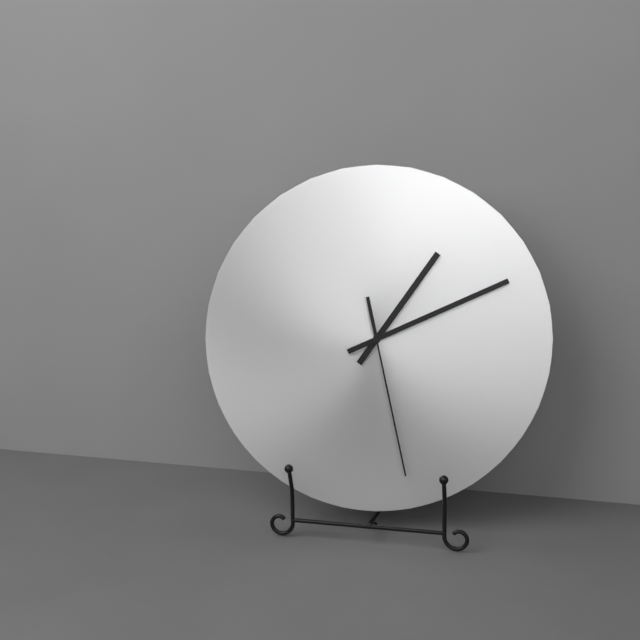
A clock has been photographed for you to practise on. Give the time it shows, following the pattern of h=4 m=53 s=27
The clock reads h=1 m=11 s=28
